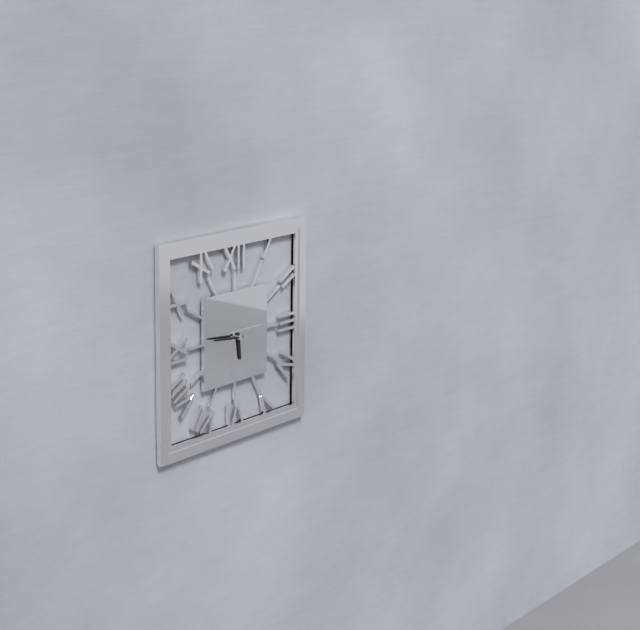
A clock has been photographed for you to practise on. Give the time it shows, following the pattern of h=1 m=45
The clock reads h=5 m=46
